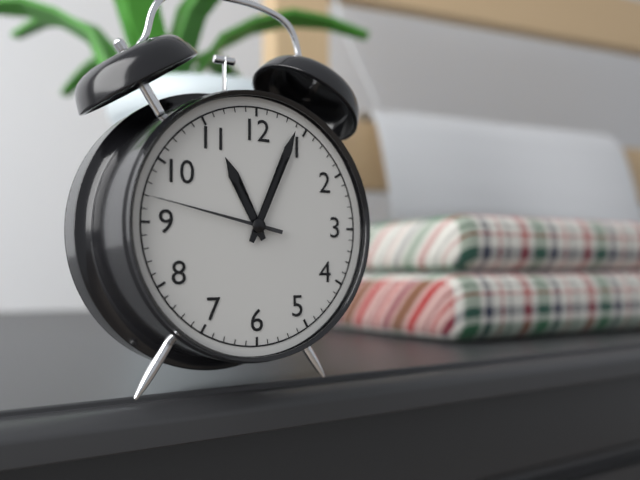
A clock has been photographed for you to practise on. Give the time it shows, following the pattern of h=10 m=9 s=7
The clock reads h=11 m=4 s=47
